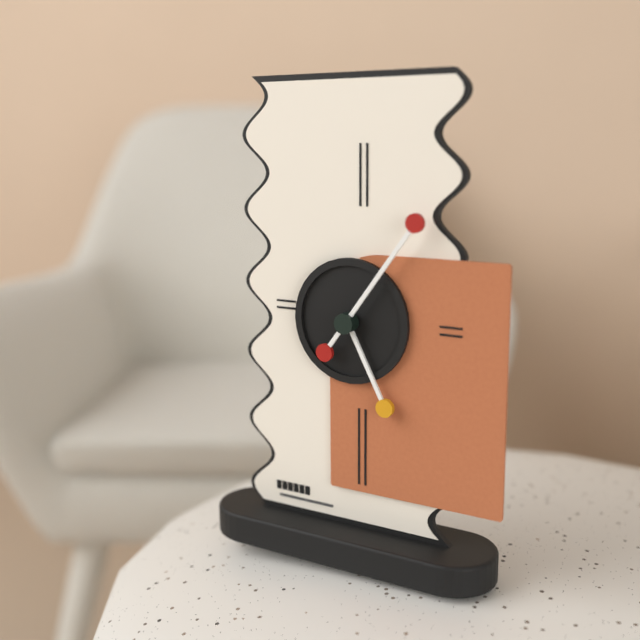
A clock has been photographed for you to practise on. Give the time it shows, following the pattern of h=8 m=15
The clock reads h=5 m=6
